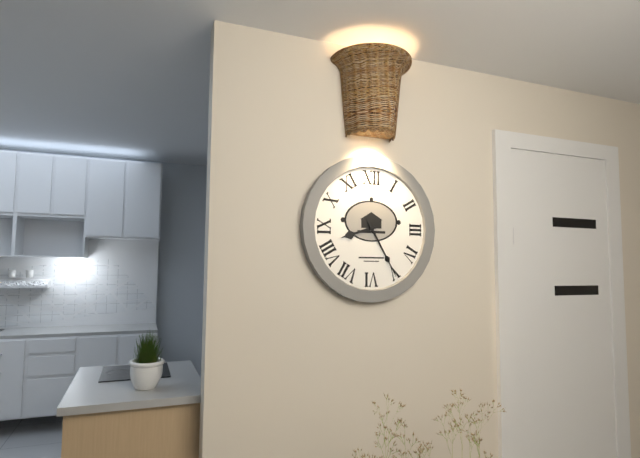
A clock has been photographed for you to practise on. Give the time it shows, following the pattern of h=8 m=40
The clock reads h=8 m=25
